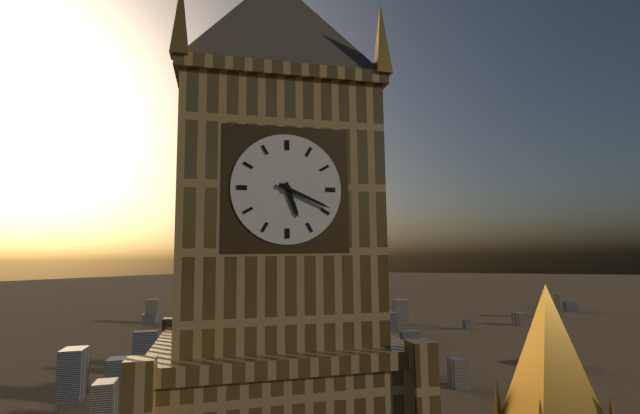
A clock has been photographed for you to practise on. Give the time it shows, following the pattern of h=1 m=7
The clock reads h=5 m=19
